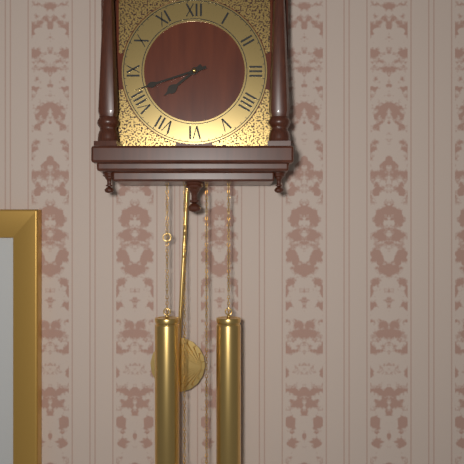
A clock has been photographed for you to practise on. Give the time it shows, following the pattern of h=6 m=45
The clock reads h=7 m=42
